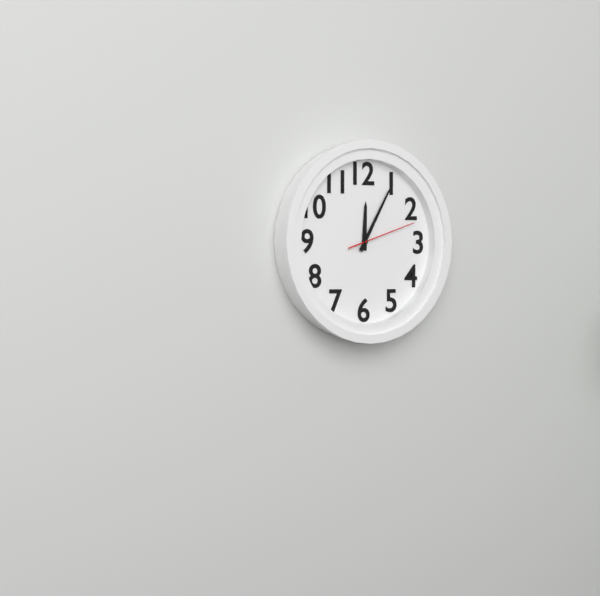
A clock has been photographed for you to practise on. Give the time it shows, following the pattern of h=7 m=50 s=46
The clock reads h=12 m=5 s=12
